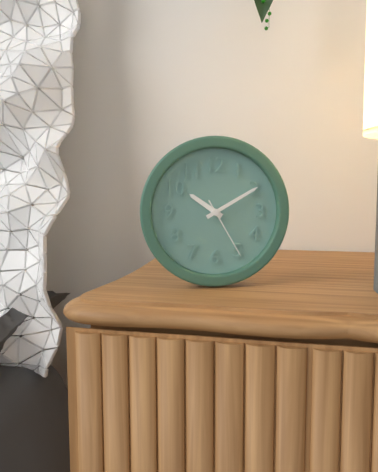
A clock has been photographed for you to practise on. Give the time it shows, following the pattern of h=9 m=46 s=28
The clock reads h=10 m=10 s=25
